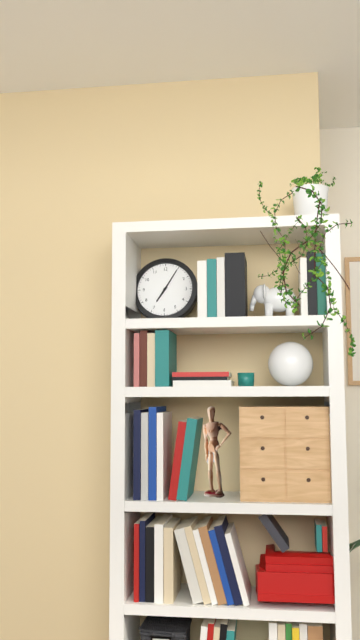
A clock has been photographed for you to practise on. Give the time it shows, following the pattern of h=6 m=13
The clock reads h=7 m=5
